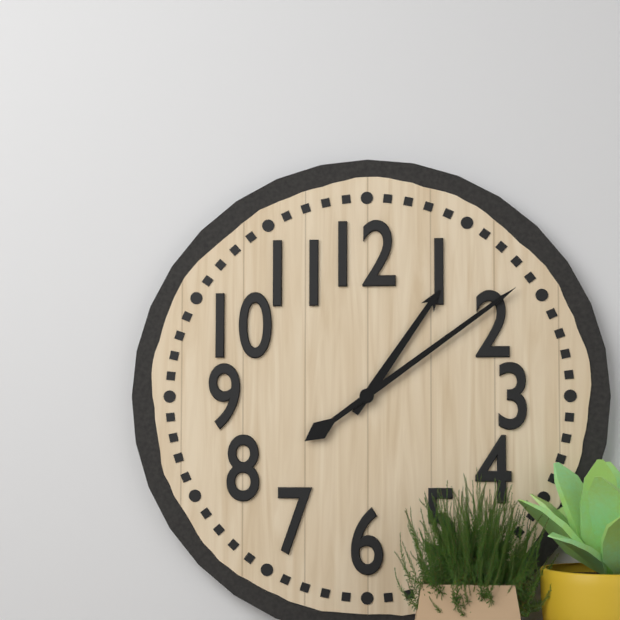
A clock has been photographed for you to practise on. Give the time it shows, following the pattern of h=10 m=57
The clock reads h=1 m=9
